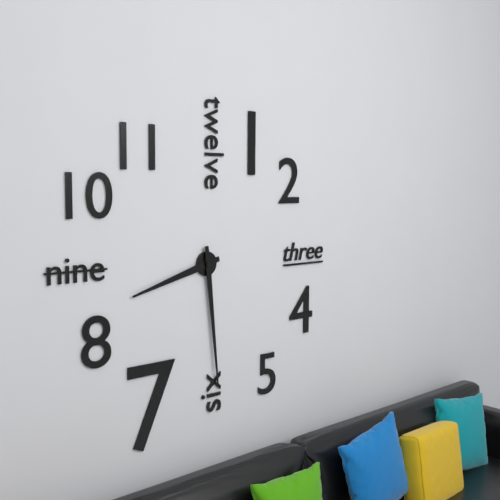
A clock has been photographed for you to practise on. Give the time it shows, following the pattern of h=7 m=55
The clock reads h=8 m=29
